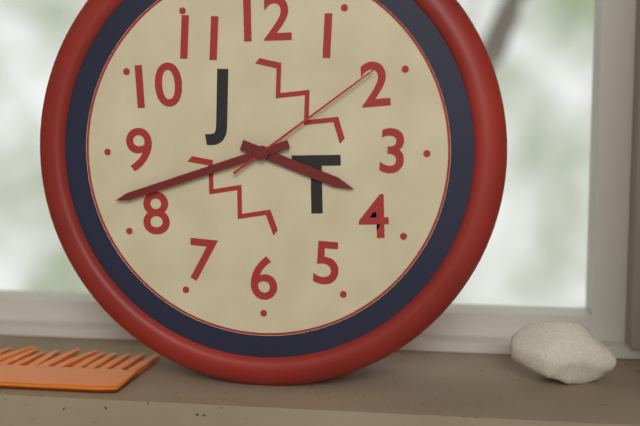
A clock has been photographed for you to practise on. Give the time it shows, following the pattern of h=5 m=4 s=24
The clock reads h=3 m=42 s=9
